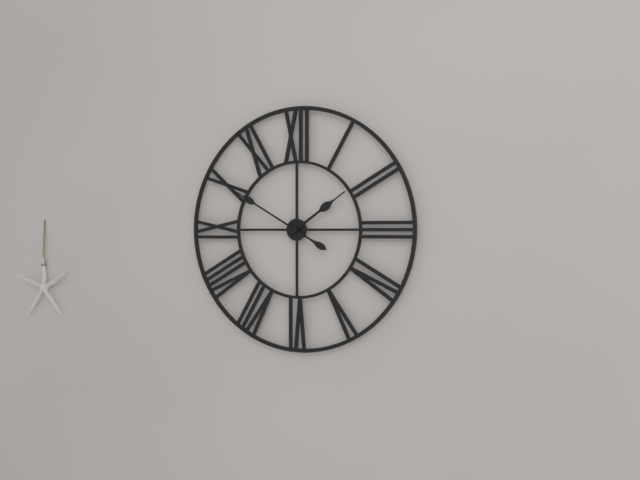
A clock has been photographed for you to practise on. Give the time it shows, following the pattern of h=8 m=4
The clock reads h=1 m=50
